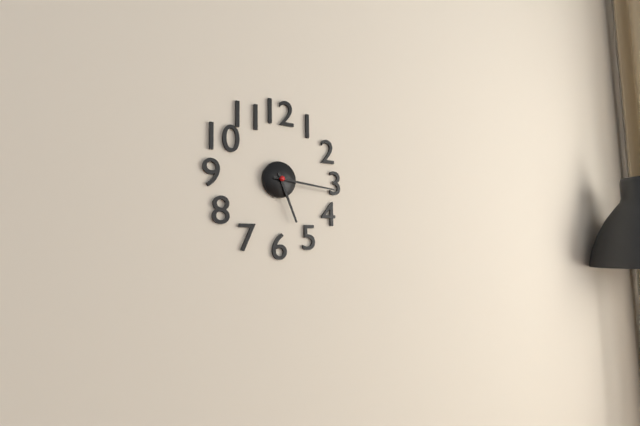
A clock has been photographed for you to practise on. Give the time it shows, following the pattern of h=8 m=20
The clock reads h=5 m=16
